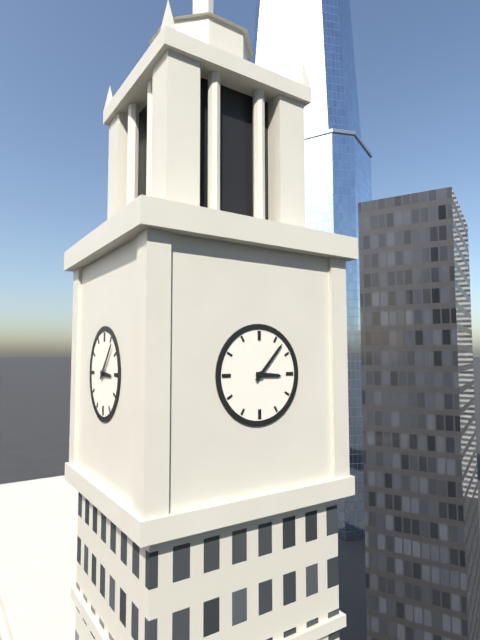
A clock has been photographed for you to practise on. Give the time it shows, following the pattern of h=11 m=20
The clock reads h=3 m=7
